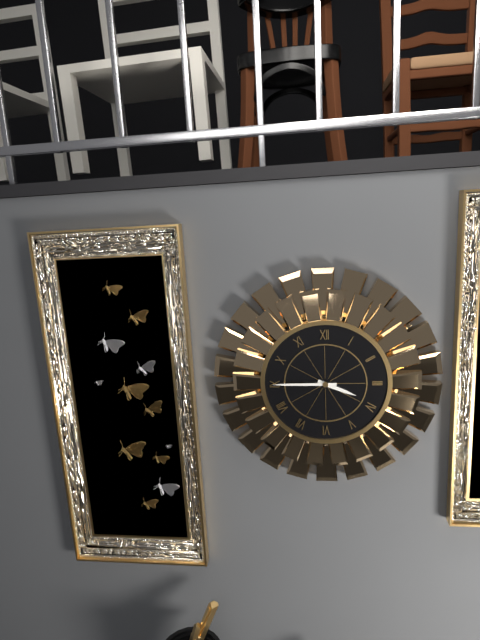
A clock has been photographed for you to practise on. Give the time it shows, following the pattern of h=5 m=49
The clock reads h=3 m=45
